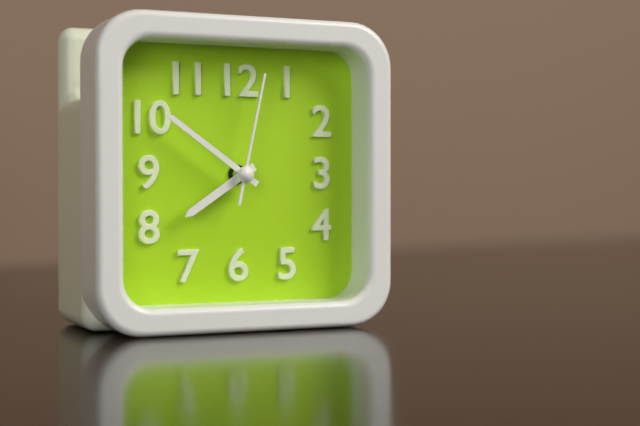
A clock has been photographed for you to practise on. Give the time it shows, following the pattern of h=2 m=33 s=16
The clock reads h=7 m=51 s=2
